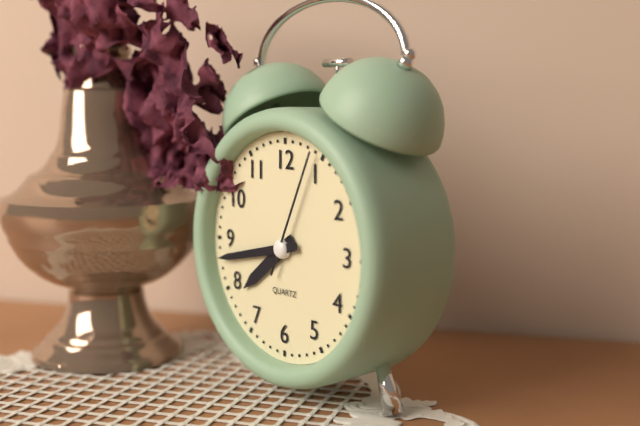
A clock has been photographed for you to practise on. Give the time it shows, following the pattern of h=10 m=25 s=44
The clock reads h=7 m=43 s=4
